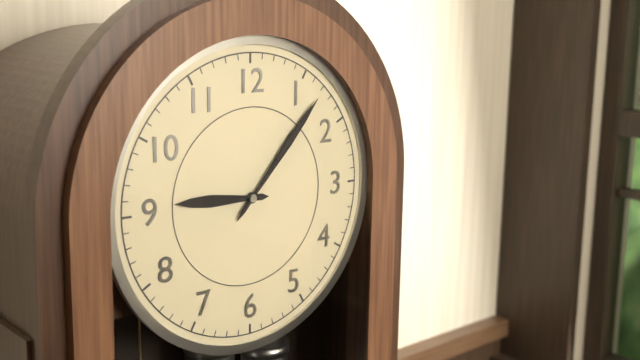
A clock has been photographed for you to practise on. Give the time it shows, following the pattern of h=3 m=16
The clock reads h=9 m=7
